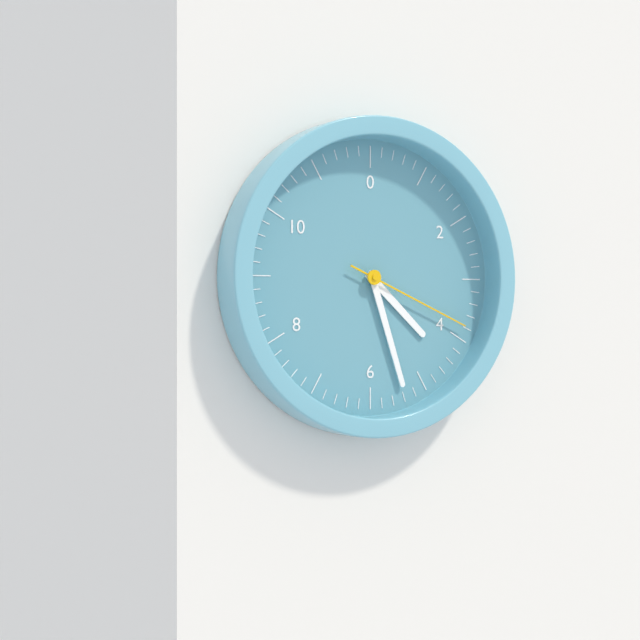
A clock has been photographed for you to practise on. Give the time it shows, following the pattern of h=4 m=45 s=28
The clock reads h=4 m=27 s=19
